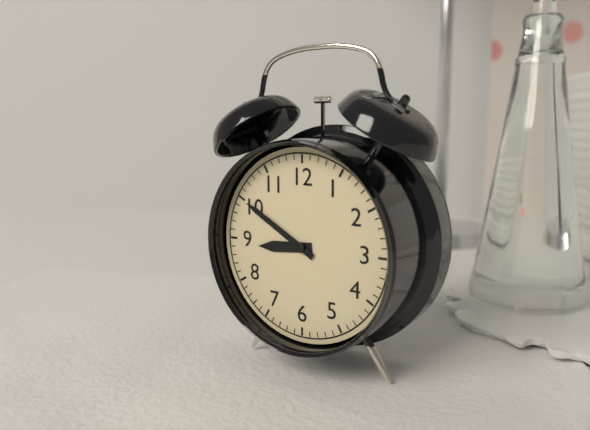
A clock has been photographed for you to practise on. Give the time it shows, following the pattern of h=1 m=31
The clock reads h=8 m=50
